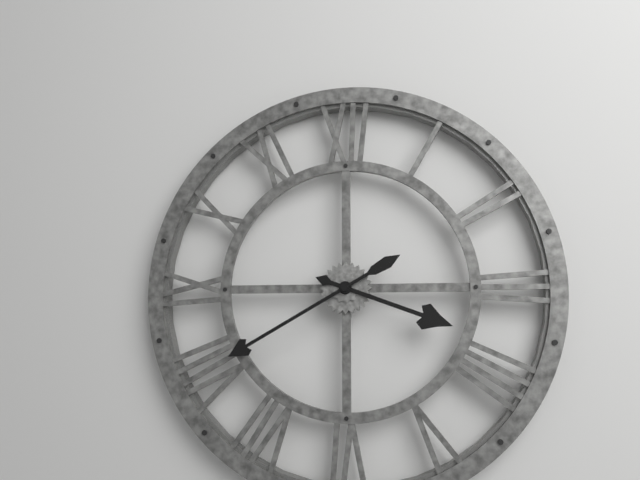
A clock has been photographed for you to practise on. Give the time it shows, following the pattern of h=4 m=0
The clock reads h=3 m=40
